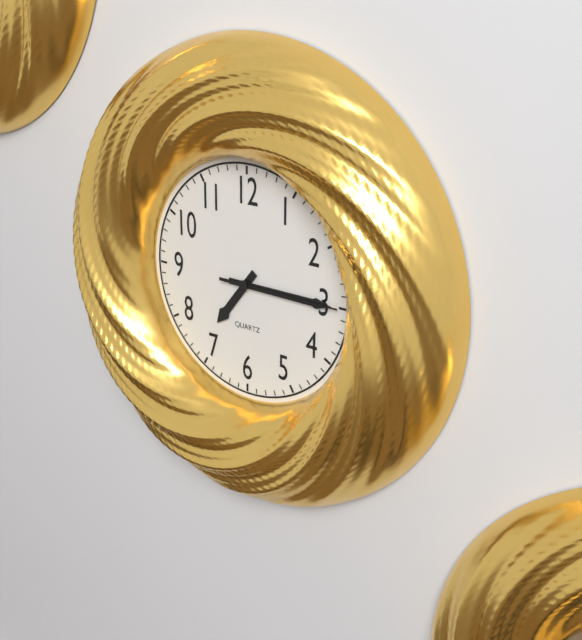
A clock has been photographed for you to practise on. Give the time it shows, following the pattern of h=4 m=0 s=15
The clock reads h=7 m=15 s=15
